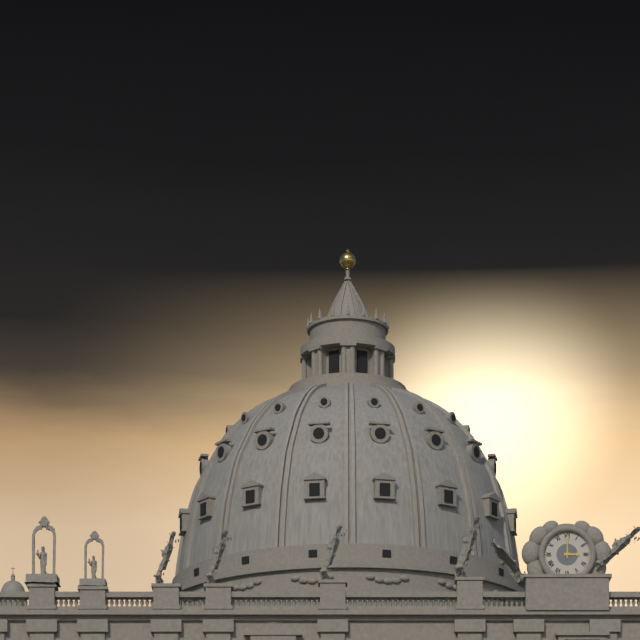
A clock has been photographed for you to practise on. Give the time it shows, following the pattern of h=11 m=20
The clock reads h=3 m=0
